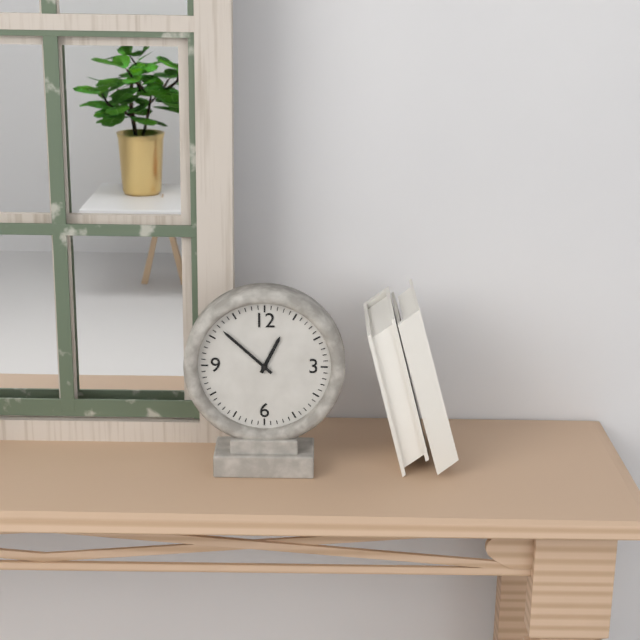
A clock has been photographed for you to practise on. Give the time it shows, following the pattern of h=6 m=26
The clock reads h=12 m=52
